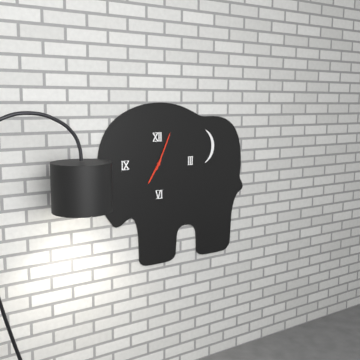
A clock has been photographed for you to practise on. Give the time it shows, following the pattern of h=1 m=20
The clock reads h=7 m=4
